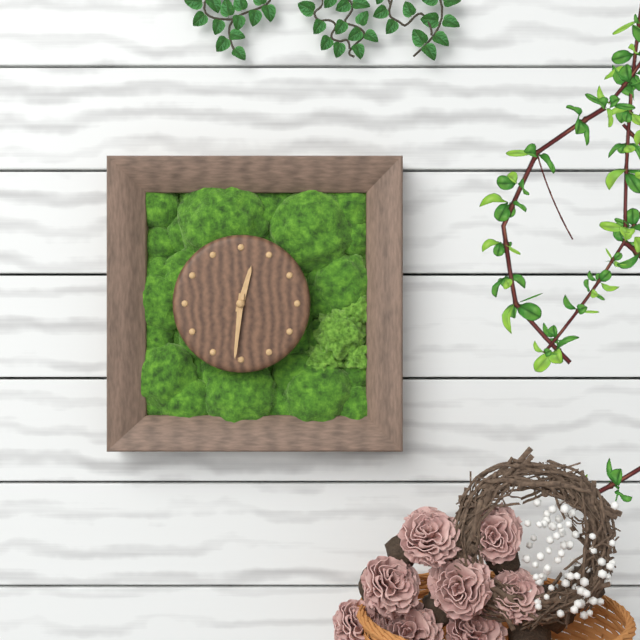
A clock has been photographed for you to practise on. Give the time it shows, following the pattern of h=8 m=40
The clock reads h=12 m=31
